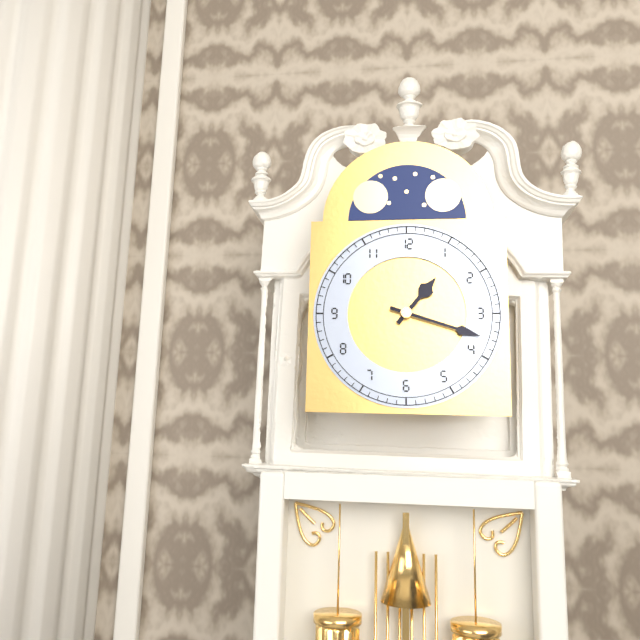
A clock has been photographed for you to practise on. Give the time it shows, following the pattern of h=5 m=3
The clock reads h=1 m=18
